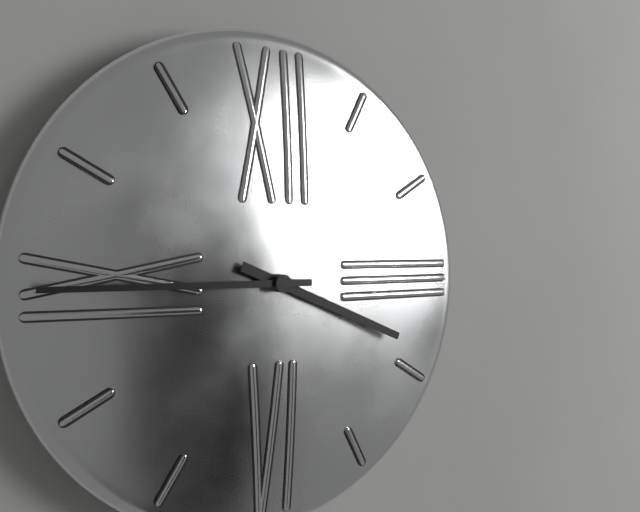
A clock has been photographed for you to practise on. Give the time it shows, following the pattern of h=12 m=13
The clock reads h=3 m=45
